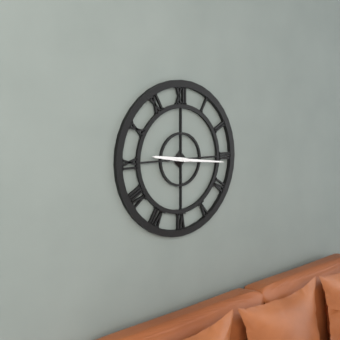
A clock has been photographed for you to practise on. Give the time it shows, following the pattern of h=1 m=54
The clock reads h=9 m=16
